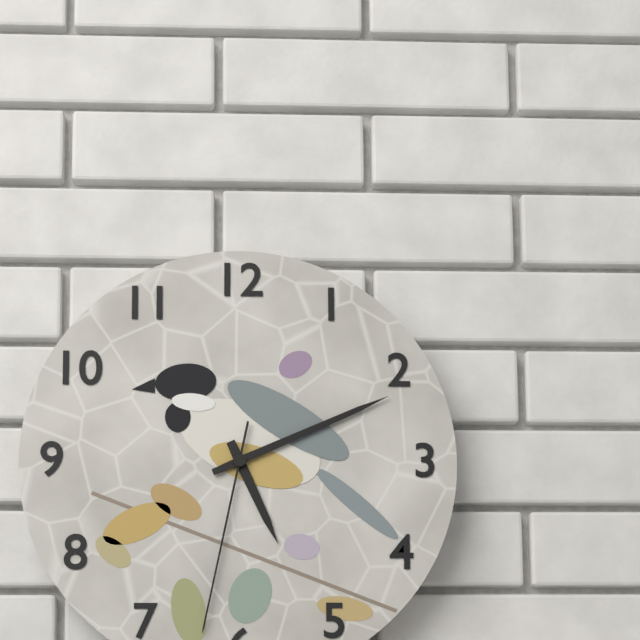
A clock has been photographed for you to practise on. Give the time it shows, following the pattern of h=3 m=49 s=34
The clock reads h=5 m=11 s=32
